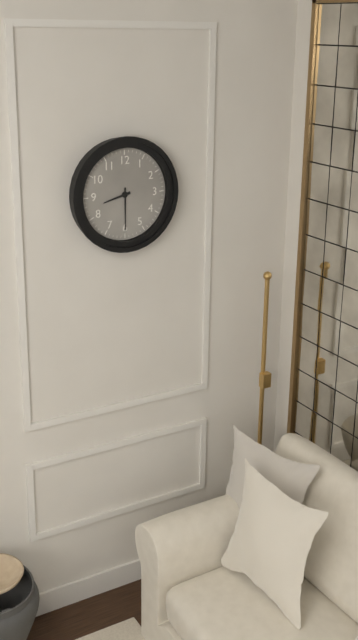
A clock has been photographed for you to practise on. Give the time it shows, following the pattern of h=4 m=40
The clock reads h=8 m=30
